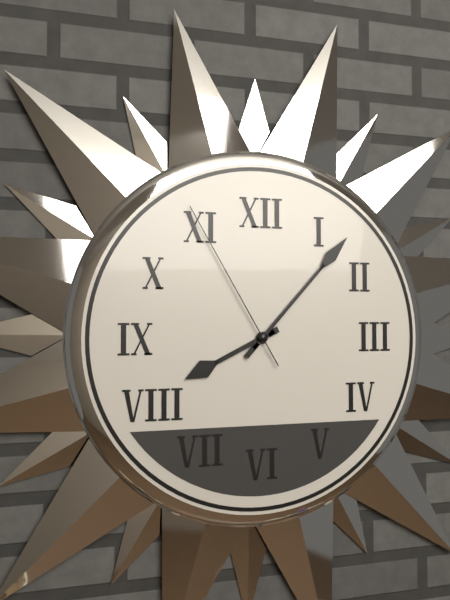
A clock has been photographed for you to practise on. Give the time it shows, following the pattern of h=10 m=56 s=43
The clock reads h=8 m=7 s=55
